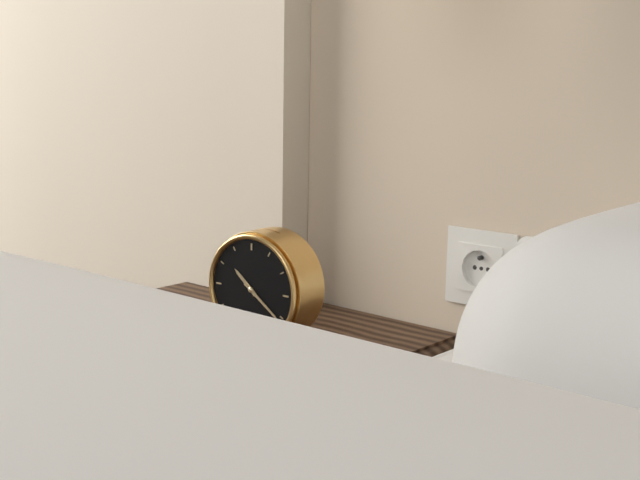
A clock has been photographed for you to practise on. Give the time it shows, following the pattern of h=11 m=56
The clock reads h=10 m=21
